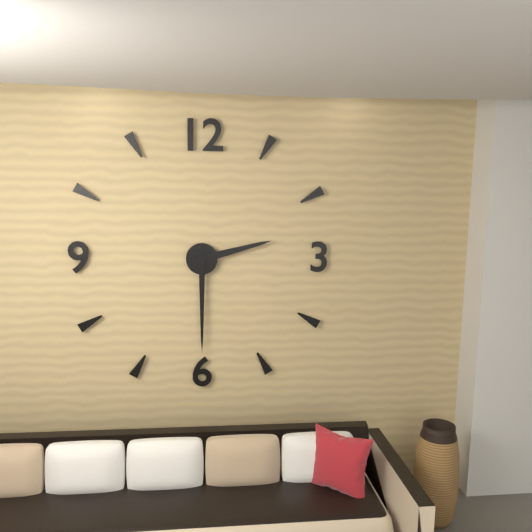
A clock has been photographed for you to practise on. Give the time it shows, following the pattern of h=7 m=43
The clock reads h=2 m=30
